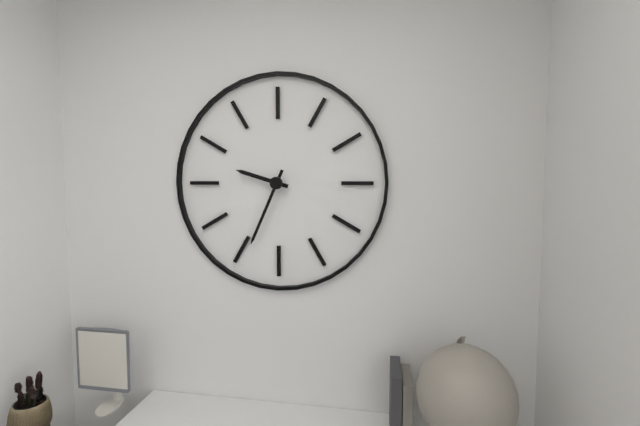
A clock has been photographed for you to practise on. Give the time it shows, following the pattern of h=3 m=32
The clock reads h=9 m=34
